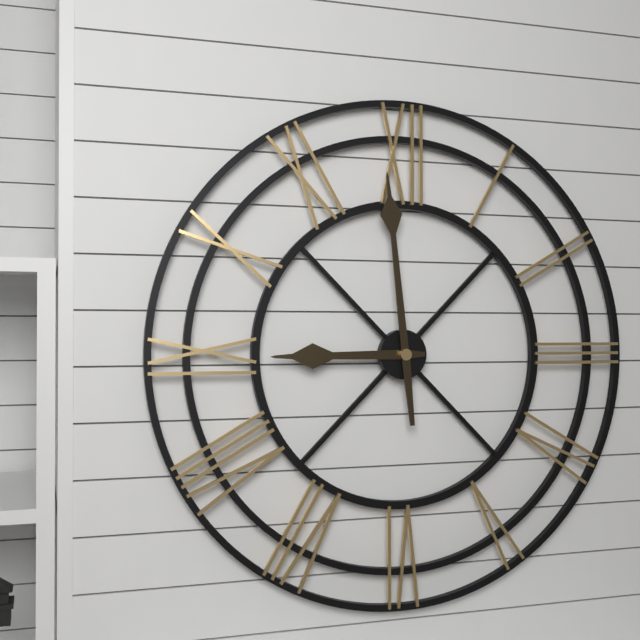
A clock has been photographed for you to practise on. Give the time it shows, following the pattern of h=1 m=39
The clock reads h=8 m=59
